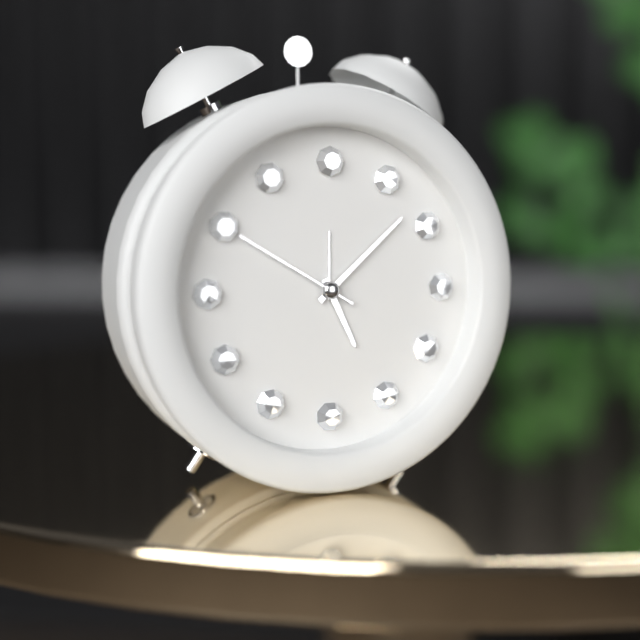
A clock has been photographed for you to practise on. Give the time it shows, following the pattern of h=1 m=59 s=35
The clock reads h=5 m=8 s=50
